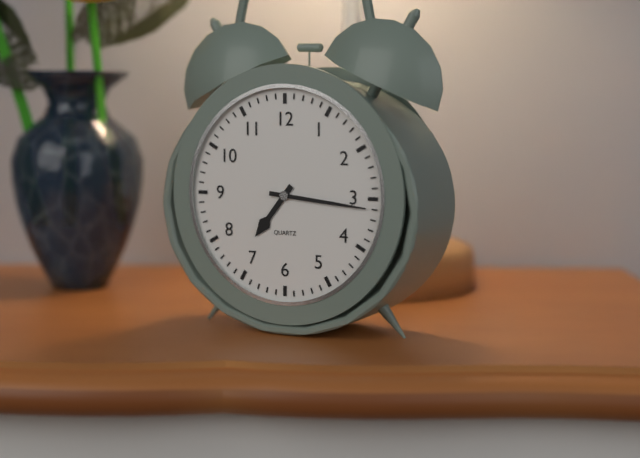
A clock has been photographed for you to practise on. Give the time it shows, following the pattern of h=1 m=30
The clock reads h=7 m=16
